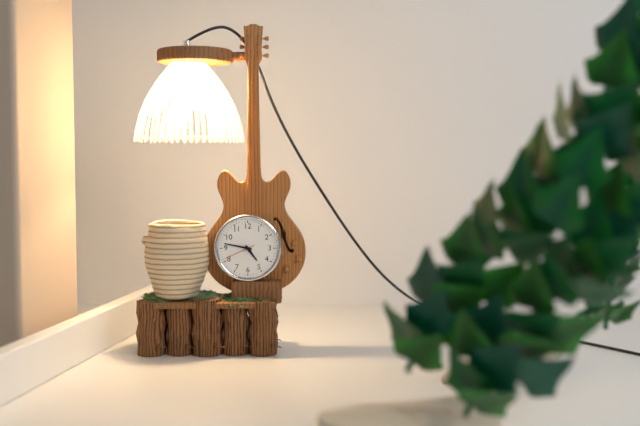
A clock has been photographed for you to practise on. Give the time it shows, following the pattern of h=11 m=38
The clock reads h=4 m=47
